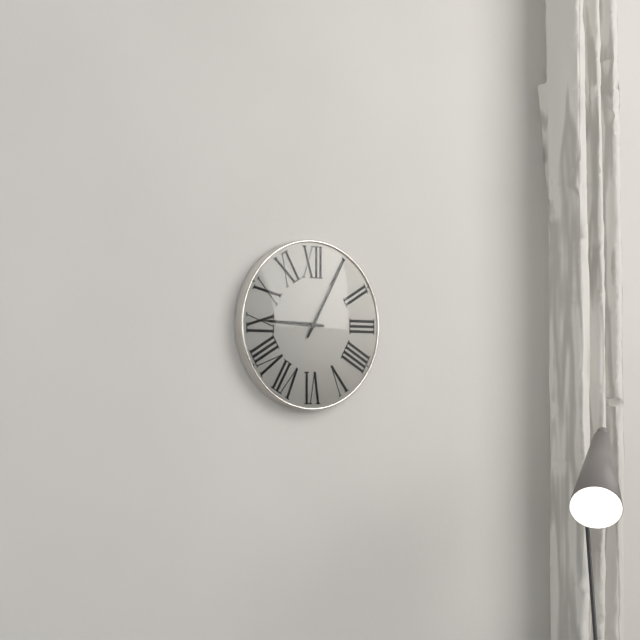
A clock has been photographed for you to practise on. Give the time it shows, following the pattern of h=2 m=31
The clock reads h=9 m=5
